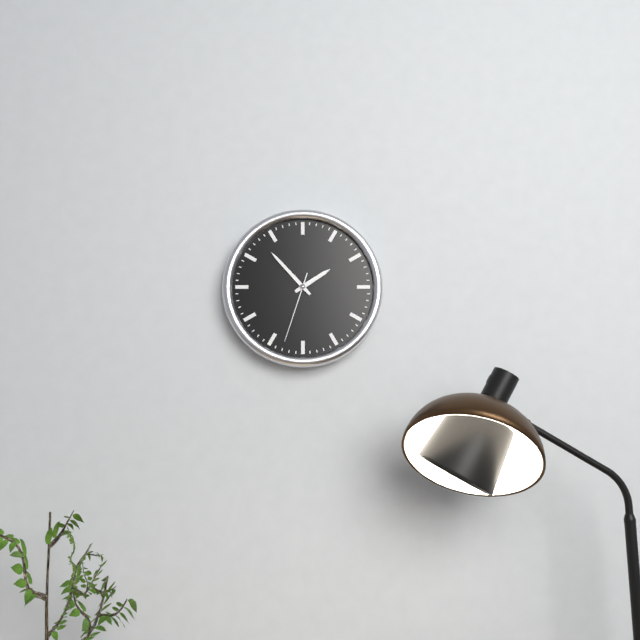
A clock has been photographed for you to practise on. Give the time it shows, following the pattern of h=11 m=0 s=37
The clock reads h=1 m=53 s=33
